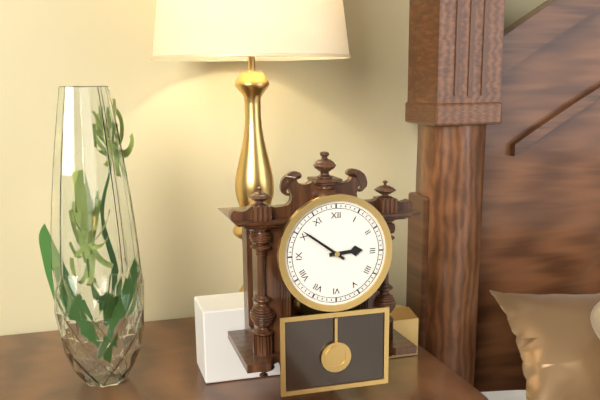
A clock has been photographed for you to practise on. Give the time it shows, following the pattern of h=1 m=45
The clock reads h=2 m=51
